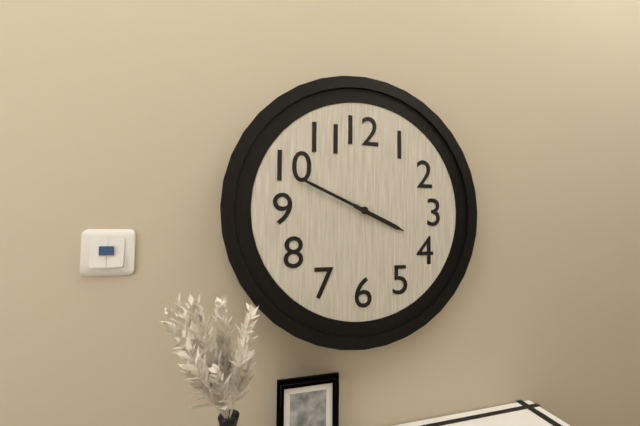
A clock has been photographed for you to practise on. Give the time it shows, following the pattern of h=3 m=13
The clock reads h=3 m=49
